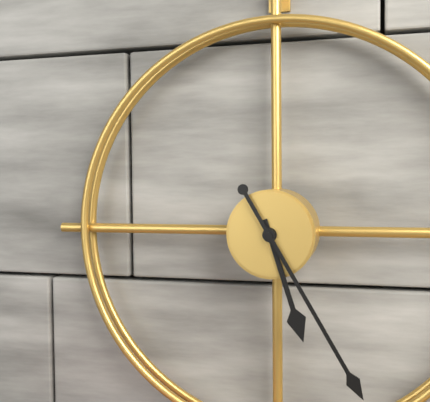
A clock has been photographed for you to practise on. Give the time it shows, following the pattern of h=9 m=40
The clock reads h=5 m=25
